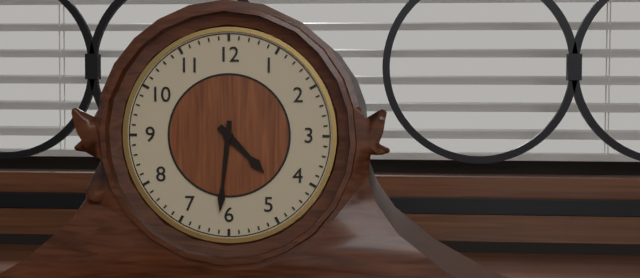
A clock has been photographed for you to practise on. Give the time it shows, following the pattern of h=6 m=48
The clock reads h=4 m=31
